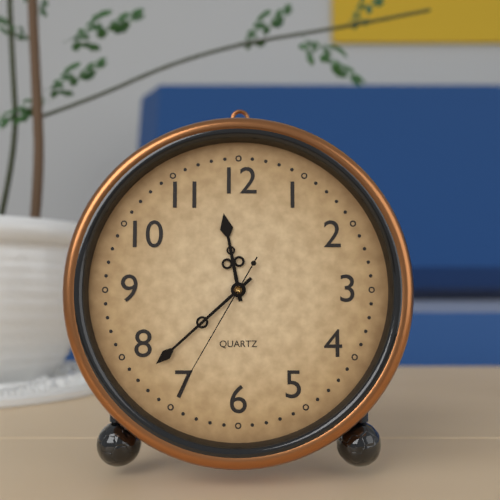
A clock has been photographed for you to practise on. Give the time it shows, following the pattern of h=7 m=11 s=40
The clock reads h=11 m=38 s=35
